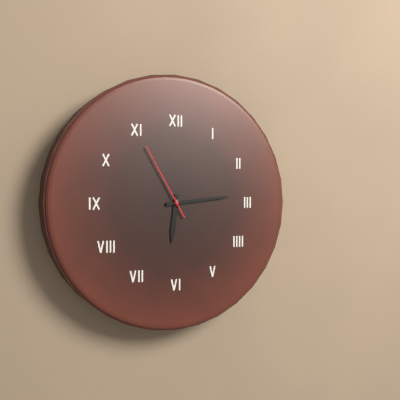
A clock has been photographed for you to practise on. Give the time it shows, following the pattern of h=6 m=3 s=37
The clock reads h=6 m=14 s=55
